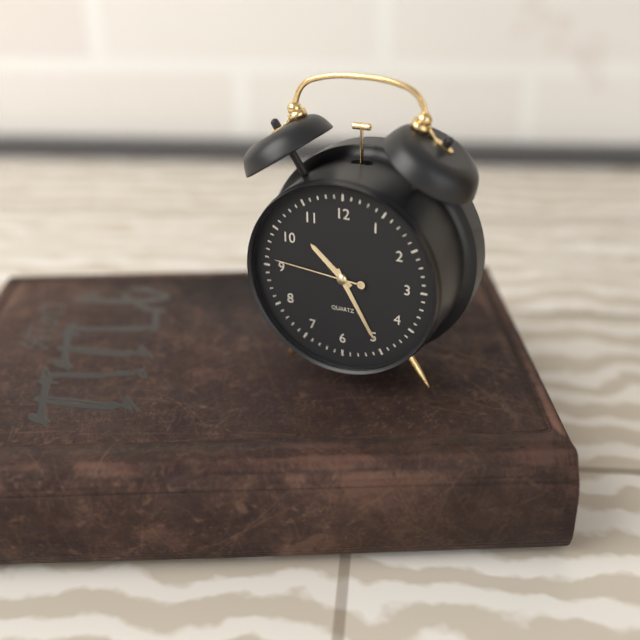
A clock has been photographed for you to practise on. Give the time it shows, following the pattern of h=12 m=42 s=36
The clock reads h=10 m=25 s=46
